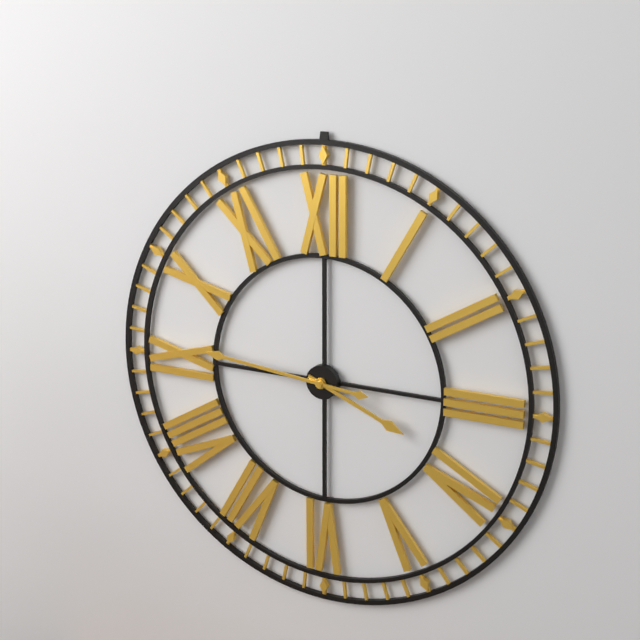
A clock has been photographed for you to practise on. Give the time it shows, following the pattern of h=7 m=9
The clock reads h=3 m=46
